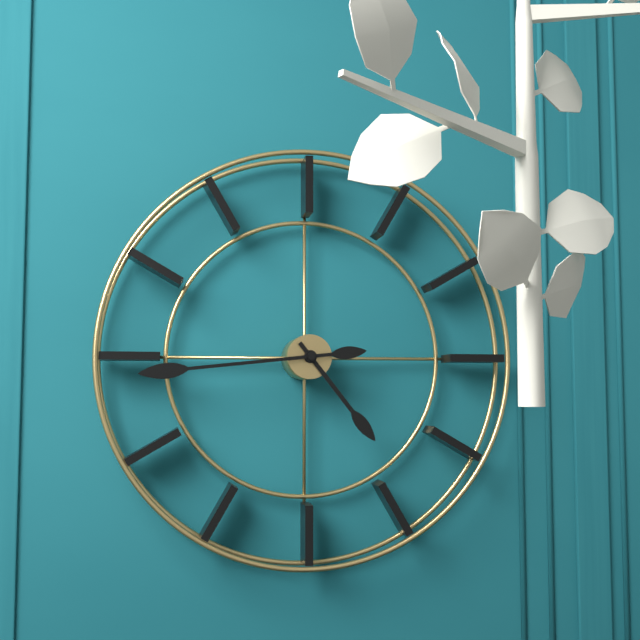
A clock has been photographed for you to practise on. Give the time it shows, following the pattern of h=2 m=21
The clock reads h=4 m=44
